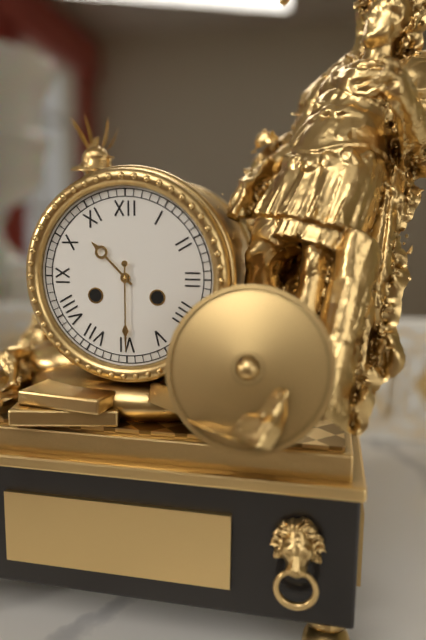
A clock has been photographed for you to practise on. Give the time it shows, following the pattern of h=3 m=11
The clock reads h=10 m=30
